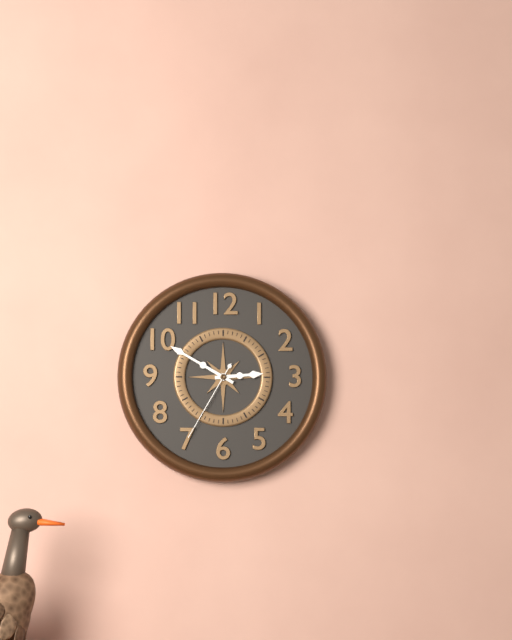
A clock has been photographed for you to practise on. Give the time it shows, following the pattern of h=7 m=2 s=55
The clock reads h=2 m=50 s=35
